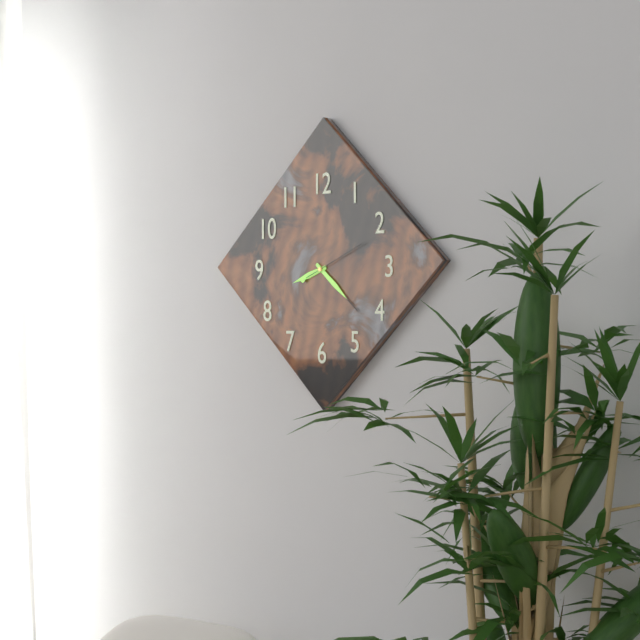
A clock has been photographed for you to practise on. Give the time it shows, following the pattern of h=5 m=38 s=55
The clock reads h=8 m=22 s=11
